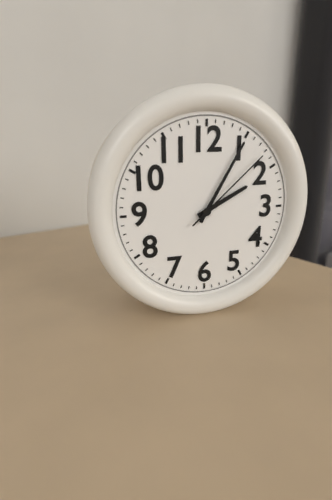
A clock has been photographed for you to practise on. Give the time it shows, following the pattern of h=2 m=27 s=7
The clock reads h=2 m=5 s=8
